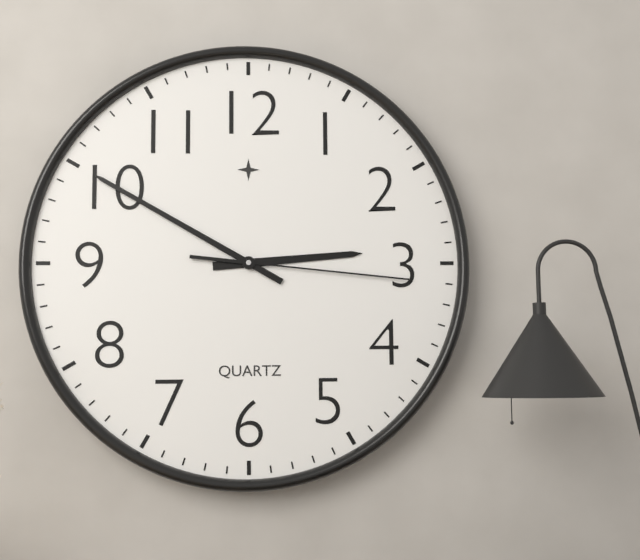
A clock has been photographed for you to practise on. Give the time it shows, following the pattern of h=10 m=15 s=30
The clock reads h=2 m=50 s=16
